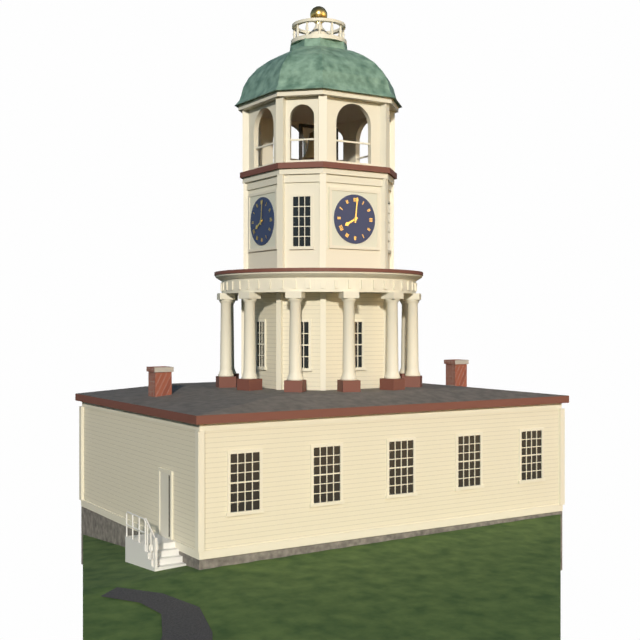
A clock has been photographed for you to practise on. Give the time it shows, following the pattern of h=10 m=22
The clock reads h=8 m=1
